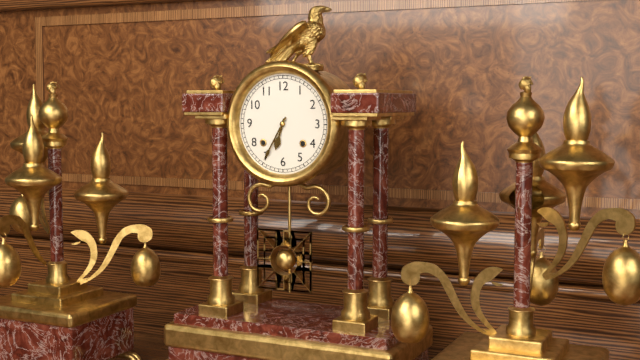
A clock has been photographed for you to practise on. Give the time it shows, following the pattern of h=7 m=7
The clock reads h=6 m=35
